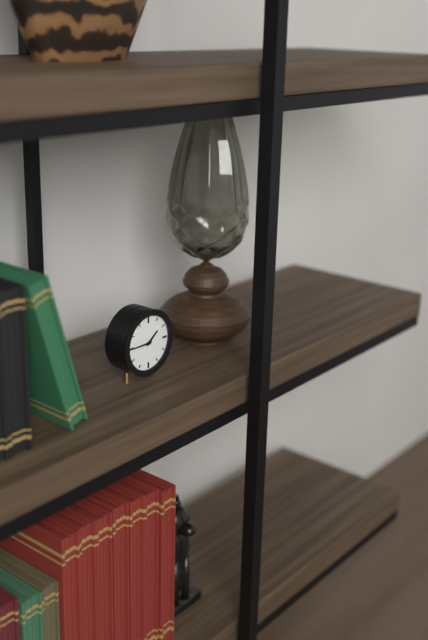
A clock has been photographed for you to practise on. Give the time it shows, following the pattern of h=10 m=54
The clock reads h=1 m=45
